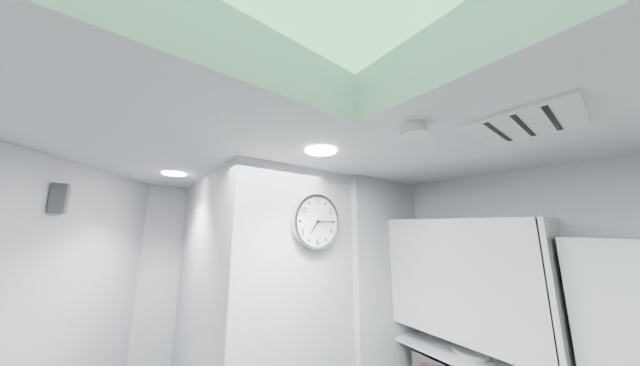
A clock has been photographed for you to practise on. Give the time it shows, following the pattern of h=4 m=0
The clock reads h=7 m=15
